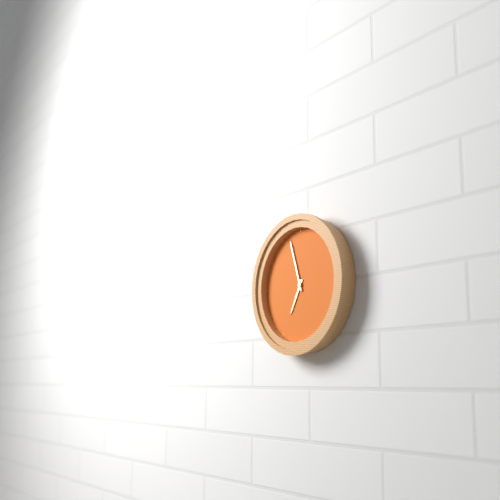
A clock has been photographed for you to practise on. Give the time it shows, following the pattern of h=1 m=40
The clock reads h=6 m=57
